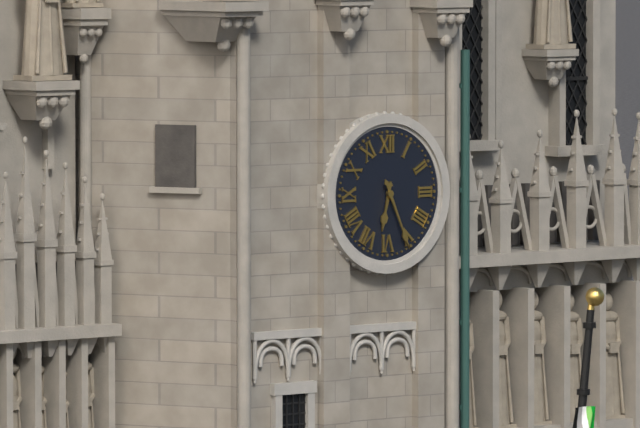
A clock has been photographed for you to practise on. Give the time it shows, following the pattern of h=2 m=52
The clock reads h=6 m=26
